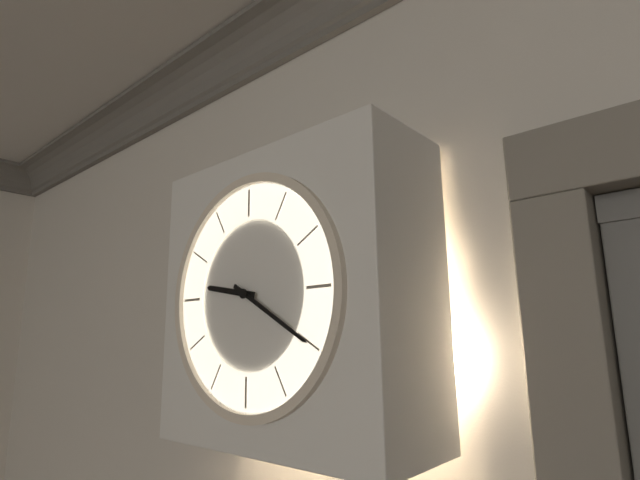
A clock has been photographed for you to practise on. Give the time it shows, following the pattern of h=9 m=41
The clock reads h=9 m=20
